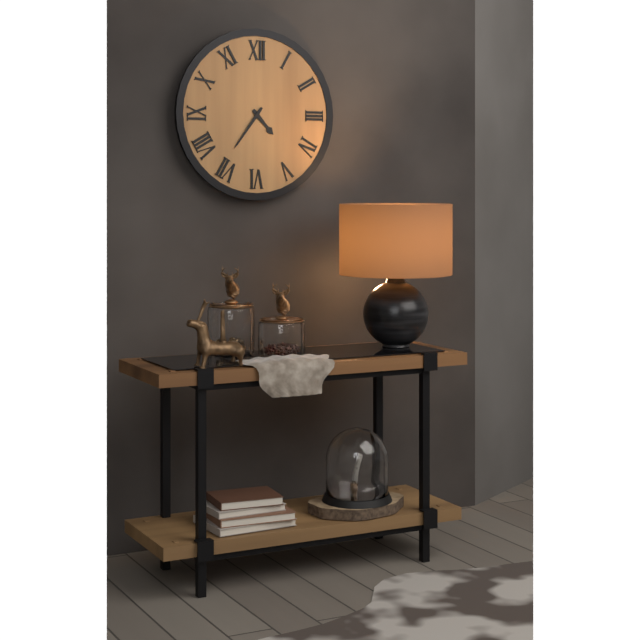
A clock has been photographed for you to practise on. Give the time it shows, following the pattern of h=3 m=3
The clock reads h=4 m=36
